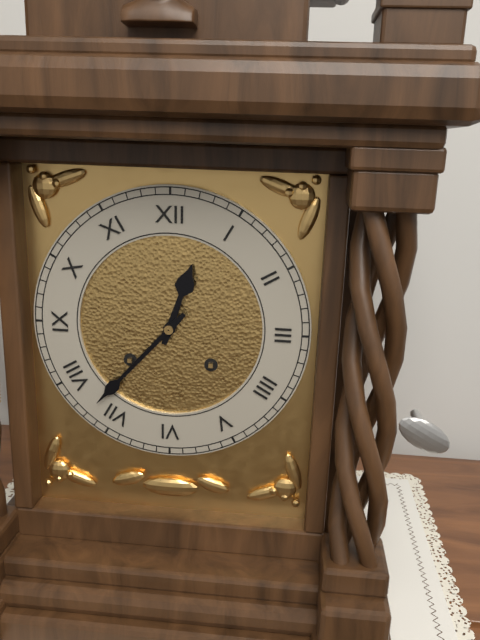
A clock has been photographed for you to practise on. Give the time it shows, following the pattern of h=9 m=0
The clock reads h=12 m=37
